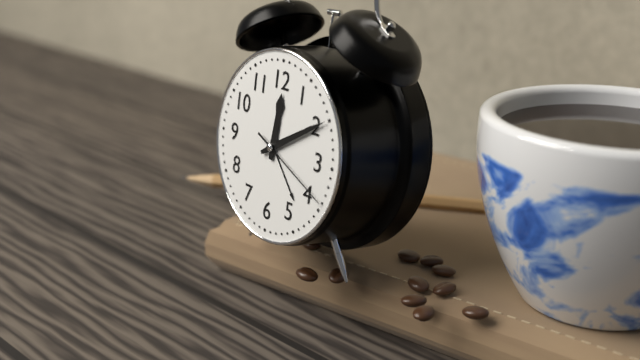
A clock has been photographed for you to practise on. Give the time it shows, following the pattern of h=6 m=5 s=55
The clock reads h=12 m=10 s=19
